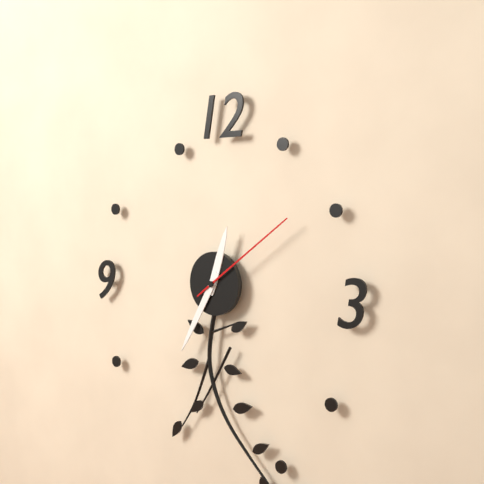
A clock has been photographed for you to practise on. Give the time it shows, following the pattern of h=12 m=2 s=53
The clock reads h=12 m=35 s=9
